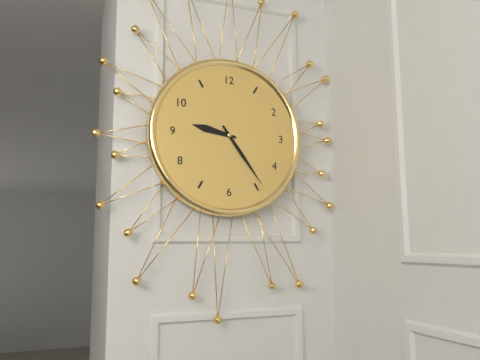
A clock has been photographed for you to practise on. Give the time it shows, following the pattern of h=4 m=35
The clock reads h=9 m=24
